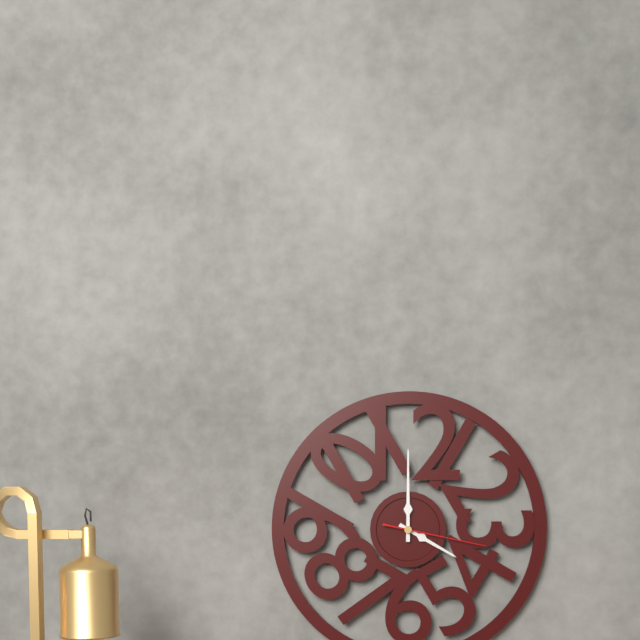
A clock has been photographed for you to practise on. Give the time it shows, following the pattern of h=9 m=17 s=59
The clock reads h=4 m=0 s=17
